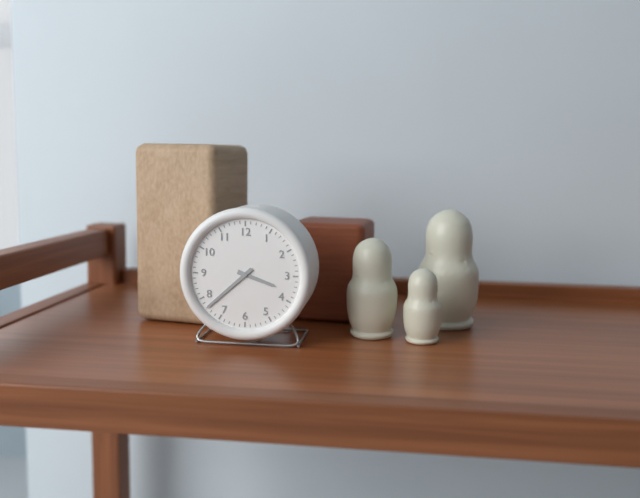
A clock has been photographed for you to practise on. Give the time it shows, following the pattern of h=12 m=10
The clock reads h=3 m=38
